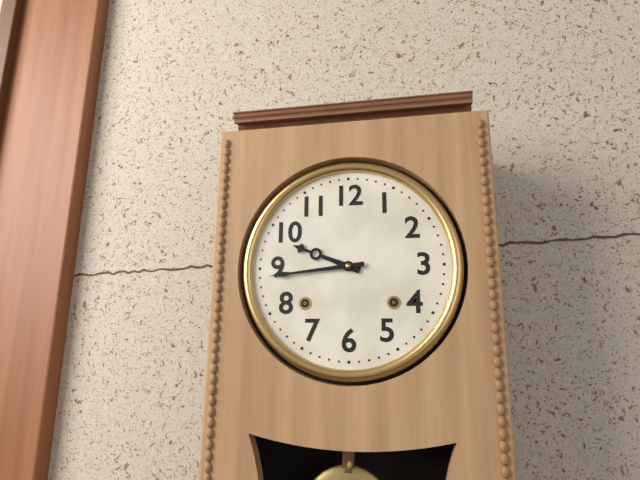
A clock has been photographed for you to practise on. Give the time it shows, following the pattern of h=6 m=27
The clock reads h=9 m=44
